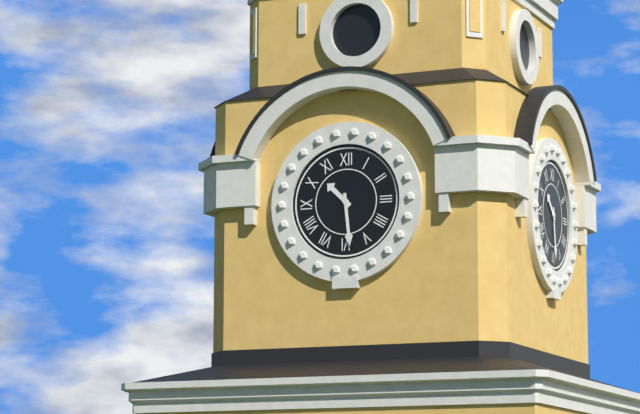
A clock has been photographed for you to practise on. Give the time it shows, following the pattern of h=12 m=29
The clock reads h=10 m=29
